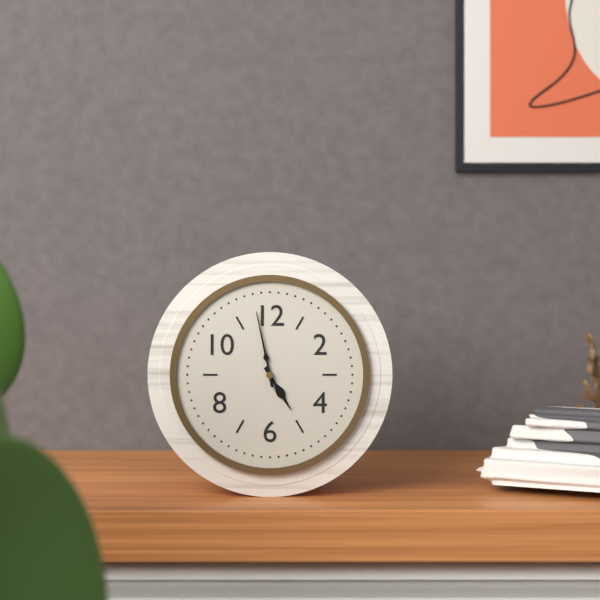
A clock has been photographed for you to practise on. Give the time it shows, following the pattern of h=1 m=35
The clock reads h=4 m=58
